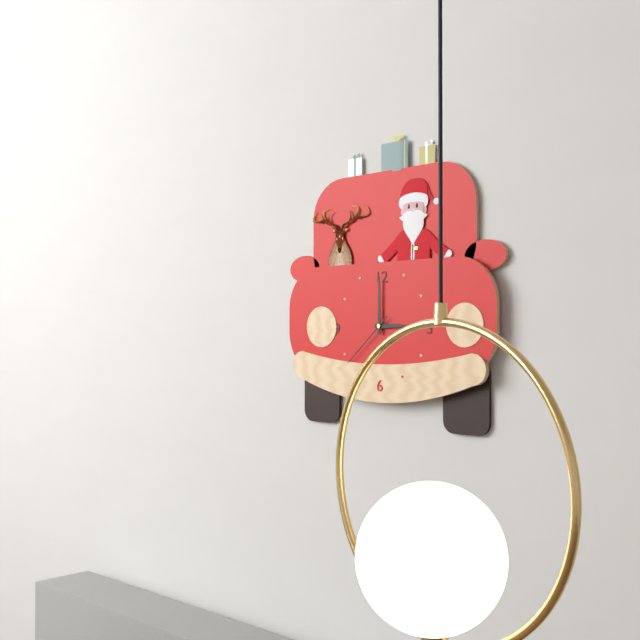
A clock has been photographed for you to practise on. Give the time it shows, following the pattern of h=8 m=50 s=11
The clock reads h=3 m=0 s=38
